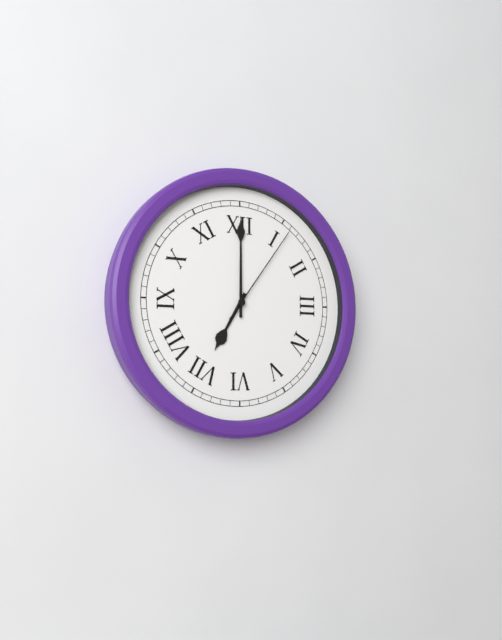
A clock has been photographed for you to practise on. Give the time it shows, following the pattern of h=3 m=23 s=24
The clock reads h=7 m=0 s=6
